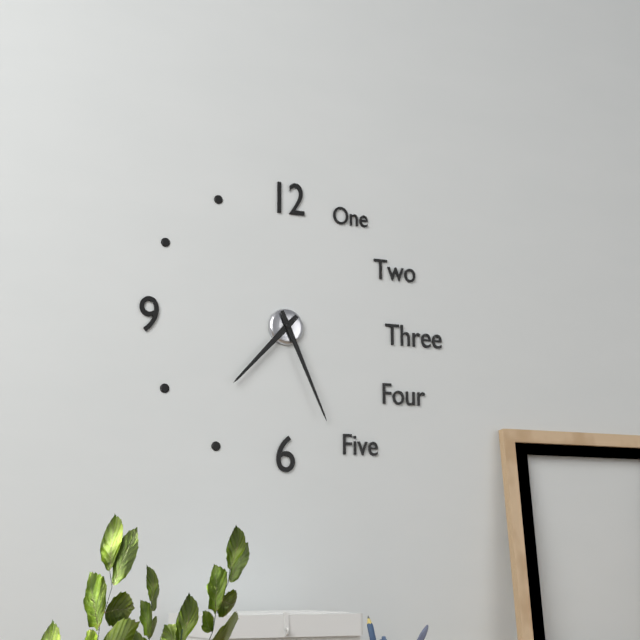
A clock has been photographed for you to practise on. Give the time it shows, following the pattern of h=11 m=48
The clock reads h=7 m=26
